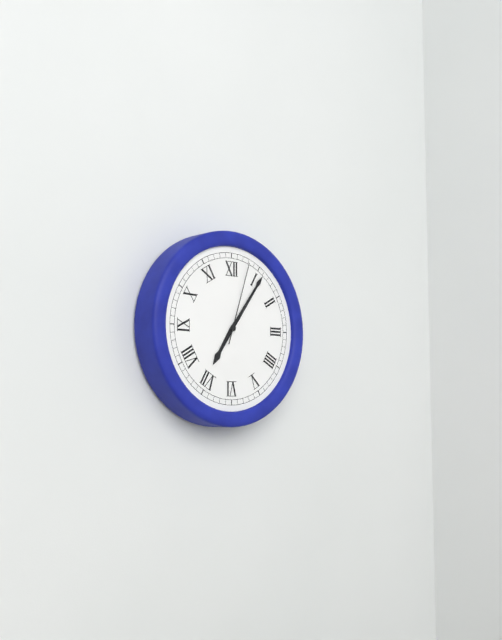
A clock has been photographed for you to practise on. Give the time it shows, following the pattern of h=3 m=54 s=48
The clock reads h=7 m=6 s=3
